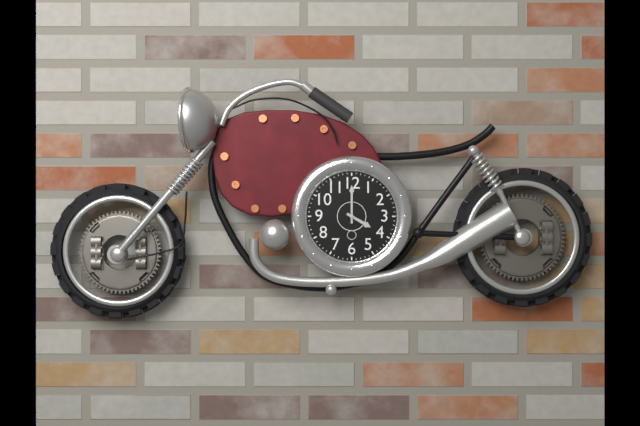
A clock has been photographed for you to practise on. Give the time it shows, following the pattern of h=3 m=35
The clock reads h=4 m=0
